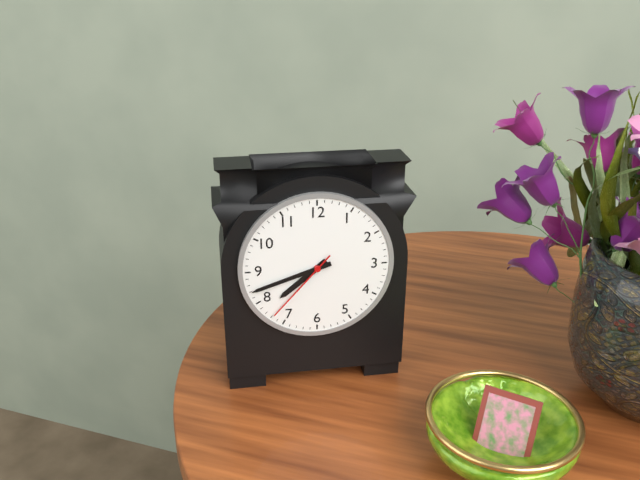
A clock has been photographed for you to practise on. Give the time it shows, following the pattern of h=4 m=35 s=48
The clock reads h=7 m=42 s=37
